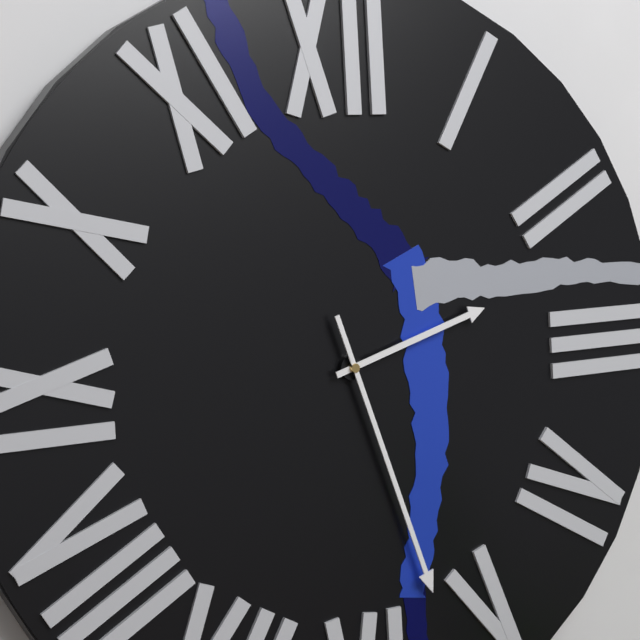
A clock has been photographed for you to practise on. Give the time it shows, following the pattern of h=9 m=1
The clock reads h=2 m=27
